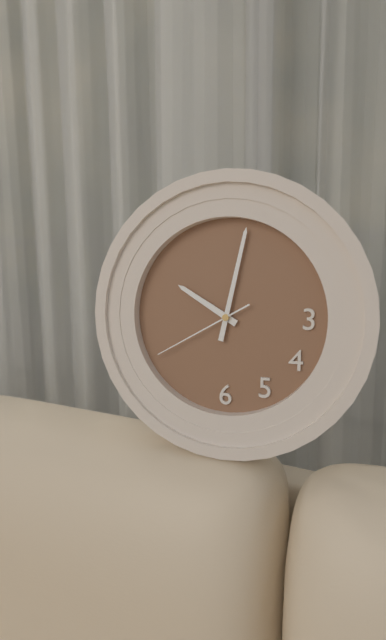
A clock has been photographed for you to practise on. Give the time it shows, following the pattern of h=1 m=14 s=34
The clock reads h=10 m=2 s=40
